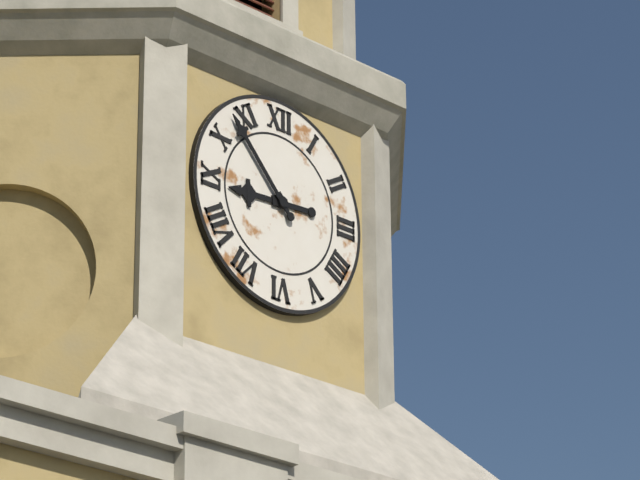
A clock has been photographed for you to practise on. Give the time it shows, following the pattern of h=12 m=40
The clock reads h=8 m=53
